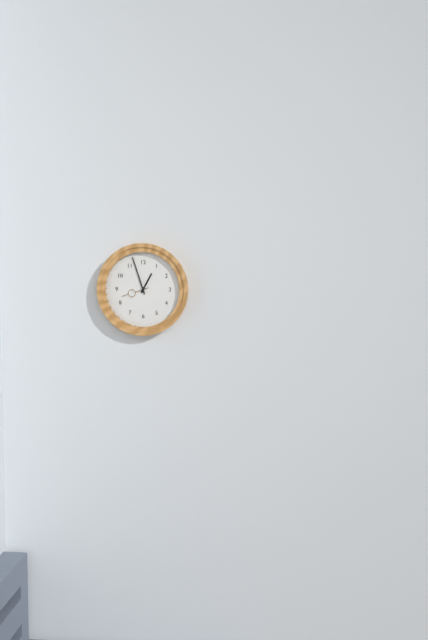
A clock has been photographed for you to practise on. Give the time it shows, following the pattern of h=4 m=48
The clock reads h=12 m=57
